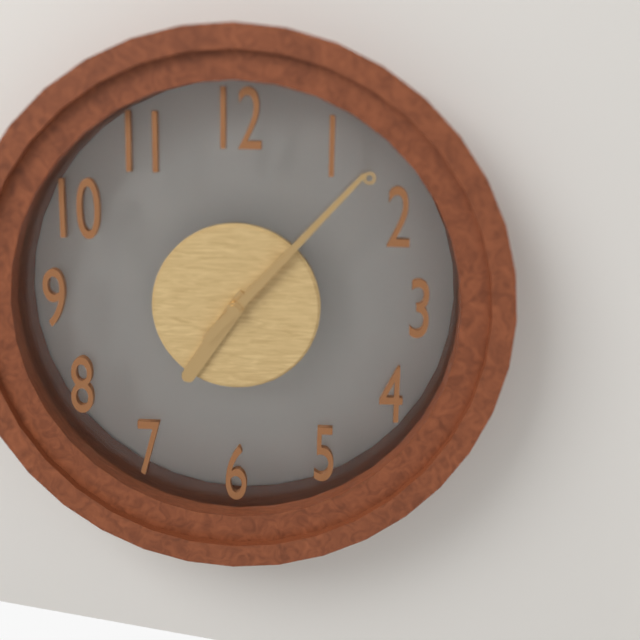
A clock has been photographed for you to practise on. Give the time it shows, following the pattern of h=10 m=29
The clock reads h=7 m=7
